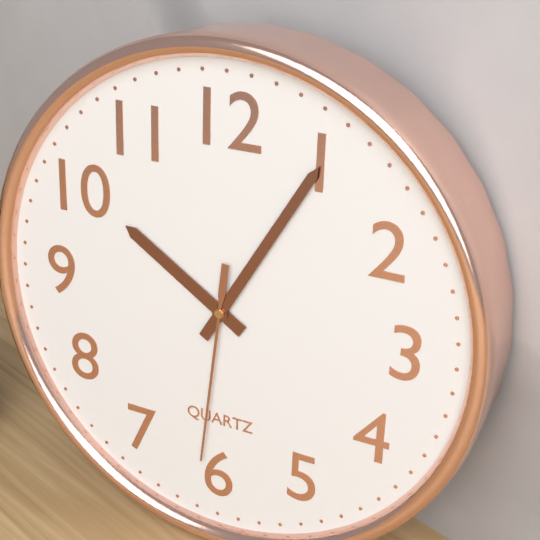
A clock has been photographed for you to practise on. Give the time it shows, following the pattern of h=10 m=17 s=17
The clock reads h=10 m=5 s=31
